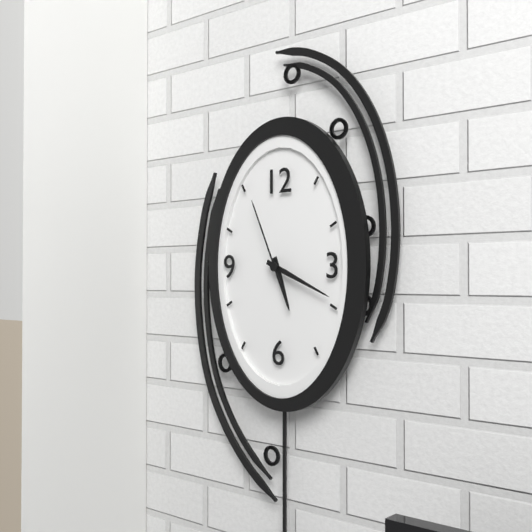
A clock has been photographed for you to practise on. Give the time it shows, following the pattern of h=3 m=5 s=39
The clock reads h=5 m=19 s=56
